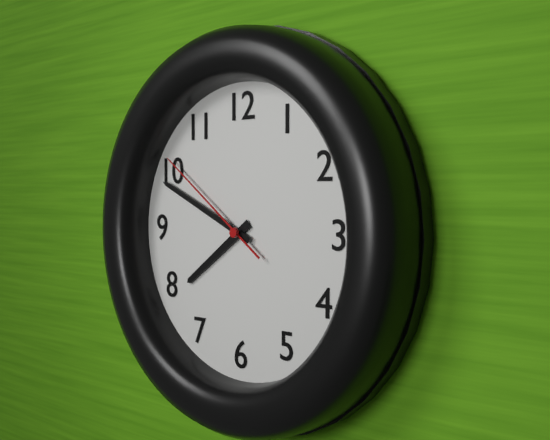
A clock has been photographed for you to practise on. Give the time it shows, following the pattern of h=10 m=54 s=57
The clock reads h=7 m=49 s=51
